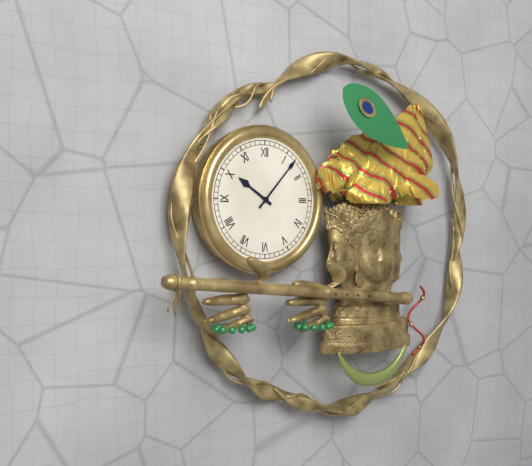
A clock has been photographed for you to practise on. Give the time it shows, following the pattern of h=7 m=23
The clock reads h=10 m=7
